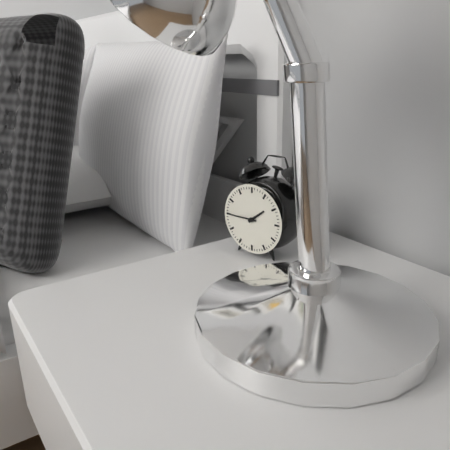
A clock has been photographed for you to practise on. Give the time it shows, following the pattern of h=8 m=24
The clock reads h=1 m=45
